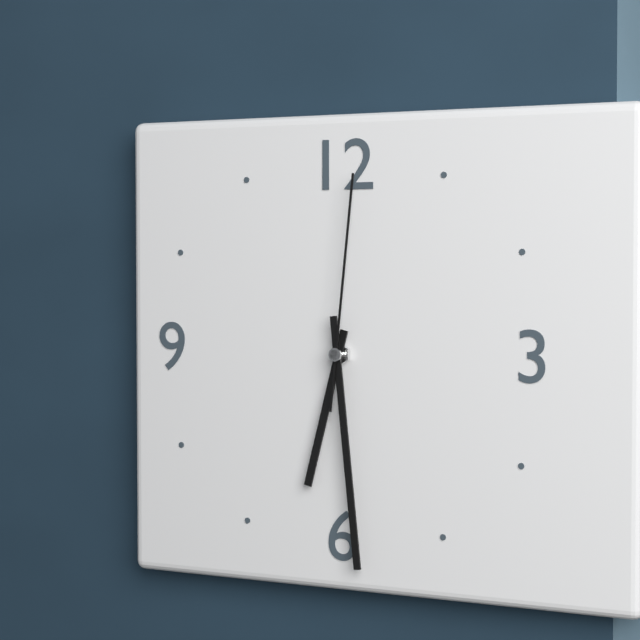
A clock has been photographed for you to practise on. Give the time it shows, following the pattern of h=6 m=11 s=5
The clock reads h=6 m=29 s=1
